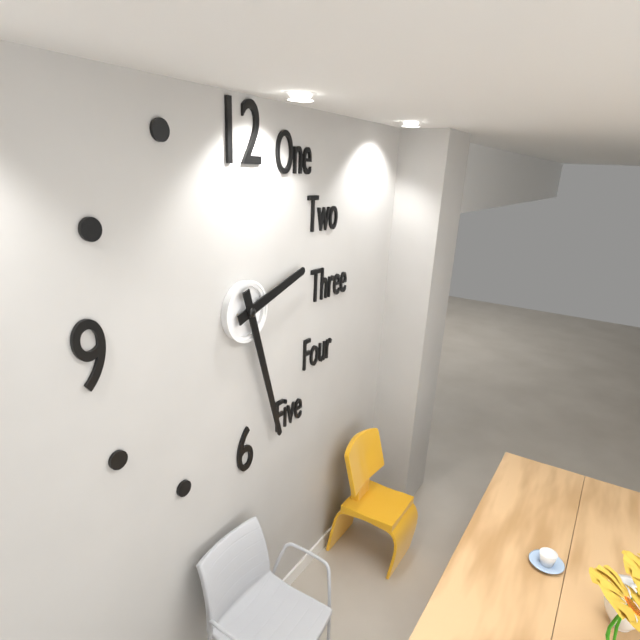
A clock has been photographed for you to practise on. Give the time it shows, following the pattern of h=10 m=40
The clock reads h=2 m=27
